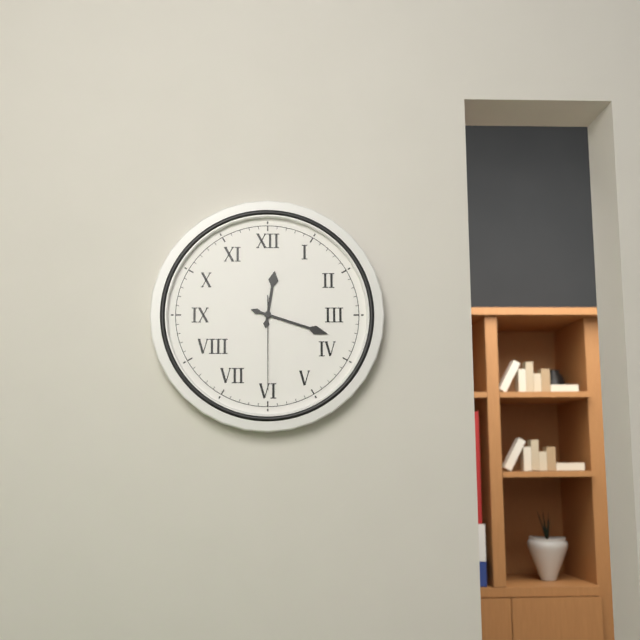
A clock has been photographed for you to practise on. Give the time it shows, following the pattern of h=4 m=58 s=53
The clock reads h=12 m=18 s=30
